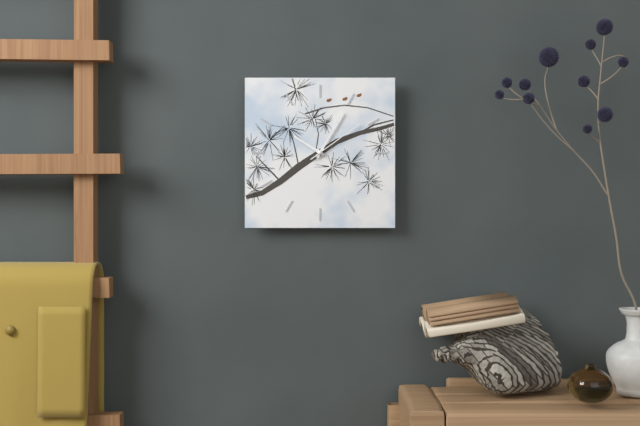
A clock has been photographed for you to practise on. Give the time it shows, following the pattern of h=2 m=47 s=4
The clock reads h=10 m=5 s=9
